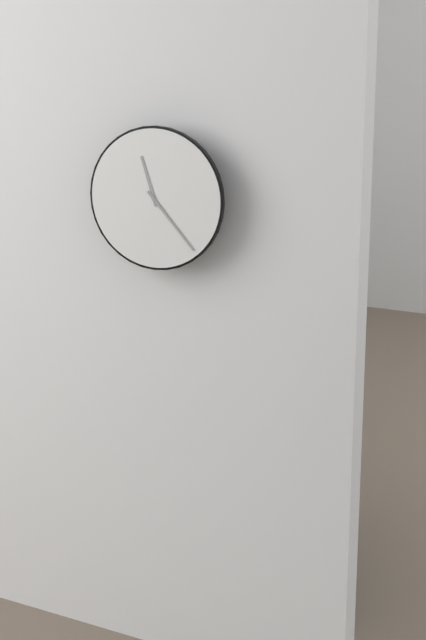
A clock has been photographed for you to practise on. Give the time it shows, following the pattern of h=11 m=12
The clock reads h=11 m=23
